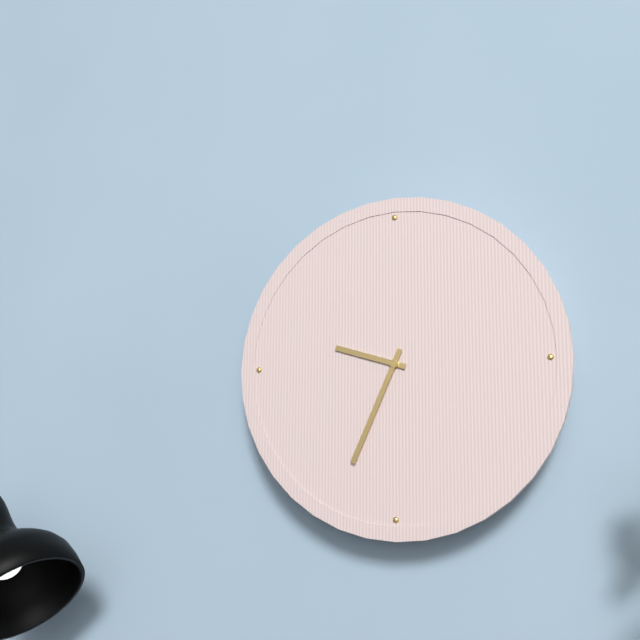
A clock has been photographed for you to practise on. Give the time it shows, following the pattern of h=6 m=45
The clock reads h=9 m=34
